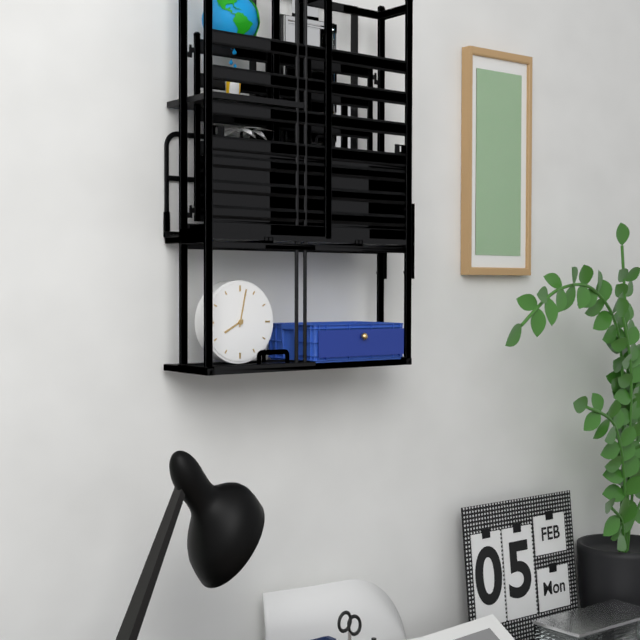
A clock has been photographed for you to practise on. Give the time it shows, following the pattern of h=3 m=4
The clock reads h=8 m=2
